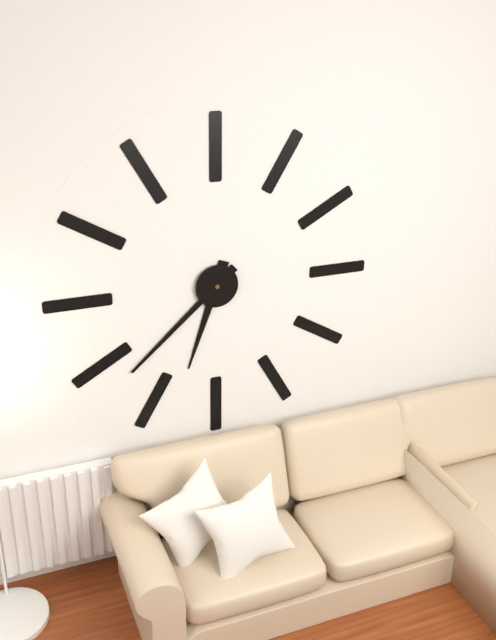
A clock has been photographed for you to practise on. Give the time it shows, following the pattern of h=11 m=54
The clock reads h=6 m=38
